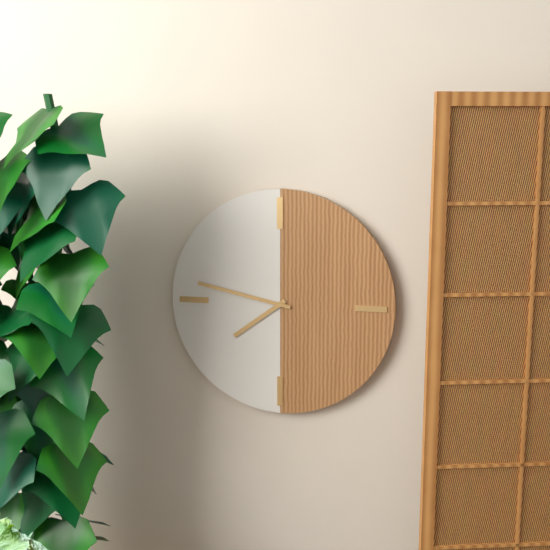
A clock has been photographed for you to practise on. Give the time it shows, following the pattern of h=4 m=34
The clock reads h=7 m=47
